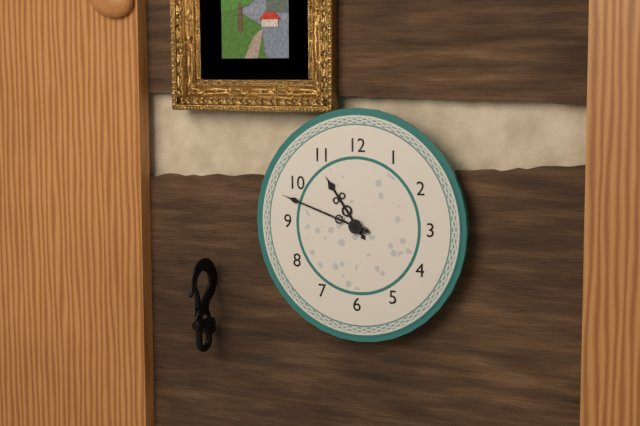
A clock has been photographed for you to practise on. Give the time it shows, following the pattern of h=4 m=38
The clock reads h=10 m=48
